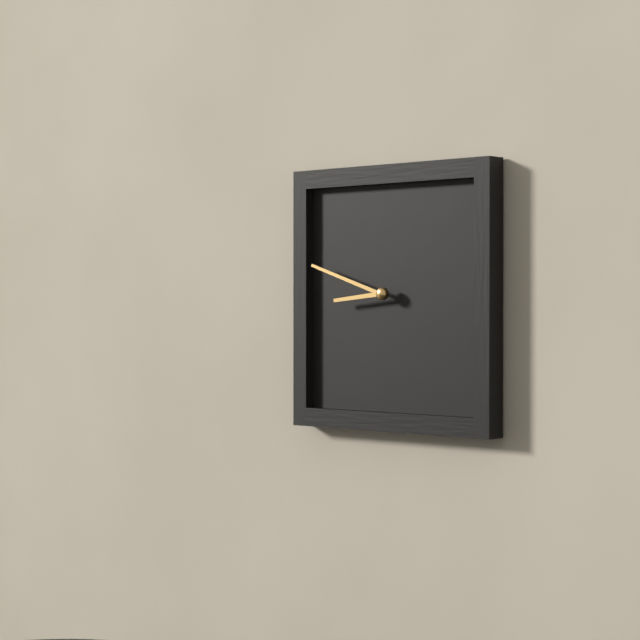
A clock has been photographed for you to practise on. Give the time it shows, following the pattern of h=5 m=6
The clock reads h=8 m=48
